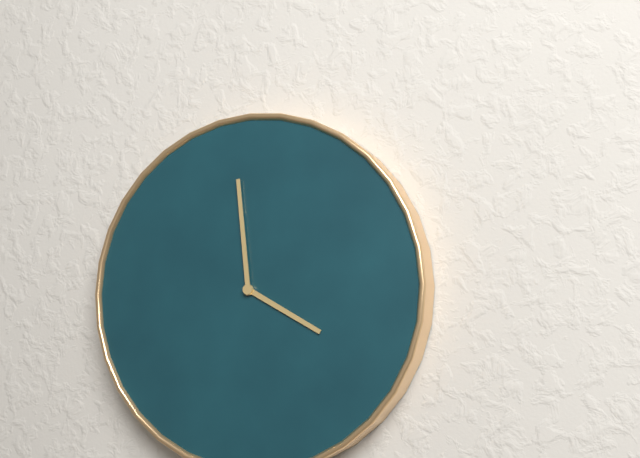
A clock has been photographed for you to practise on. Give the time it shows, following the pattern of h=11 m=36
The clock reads h=3 m=59
